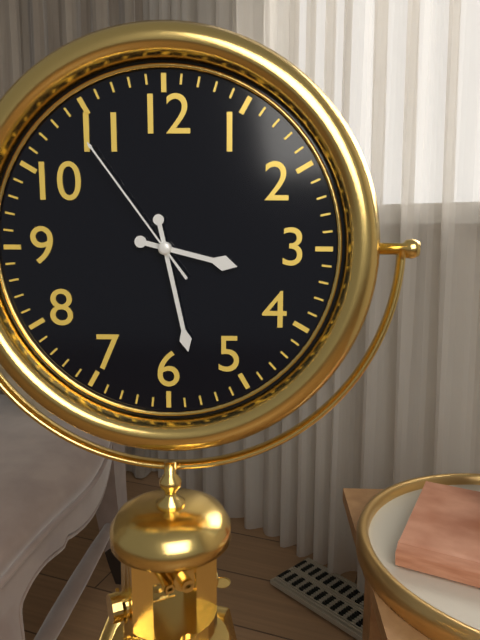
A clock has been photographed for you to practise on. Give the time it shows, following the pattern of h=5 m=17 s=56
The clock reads h=3 m=28 s=54
